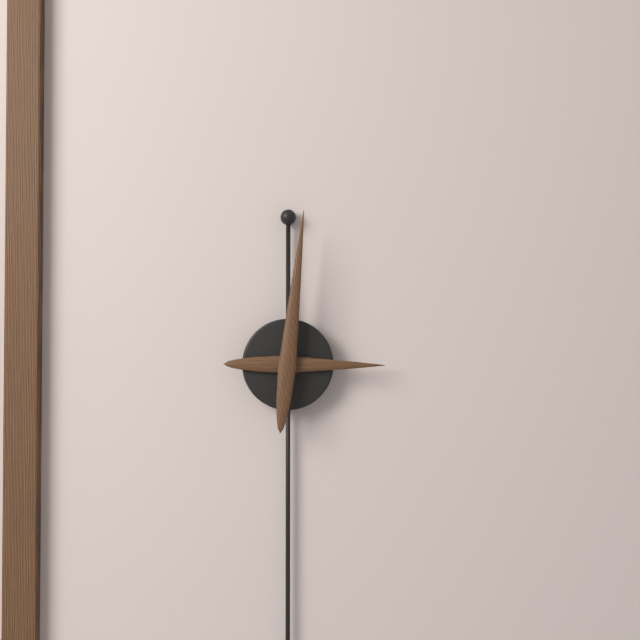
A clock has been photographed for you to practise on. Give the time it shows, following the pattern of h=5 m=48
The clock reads h=3 m=1
